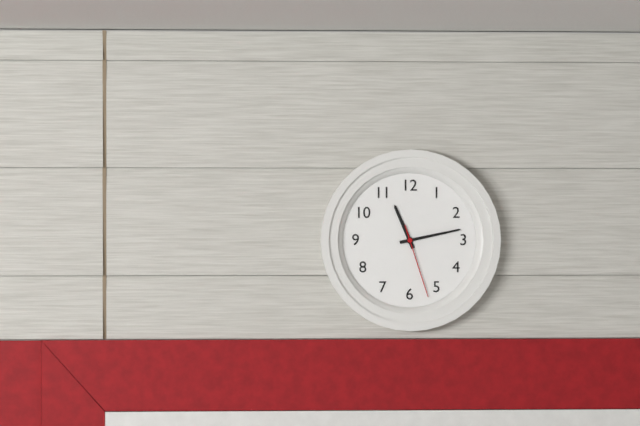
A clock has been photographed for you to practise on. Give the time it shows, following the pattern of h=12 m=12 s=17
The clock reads h=11 m=13 s=27
